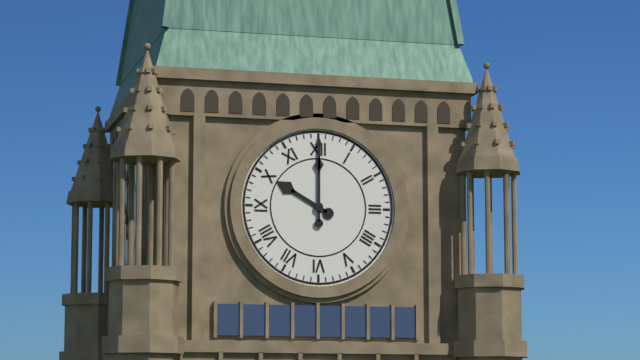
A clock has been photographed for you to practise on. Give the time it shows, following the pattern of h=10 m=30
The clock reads h=10 m=0
